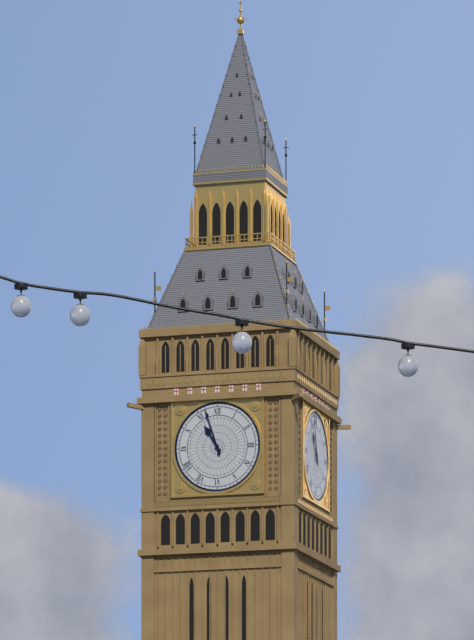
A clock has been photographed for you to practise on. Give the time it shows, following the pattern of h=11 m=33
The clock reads h=10 m=57
